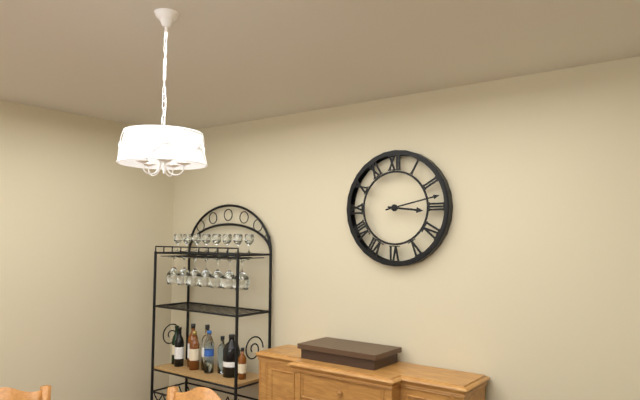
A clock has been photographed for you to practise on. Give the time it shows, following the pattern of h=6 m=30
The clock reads h=3 m=13
